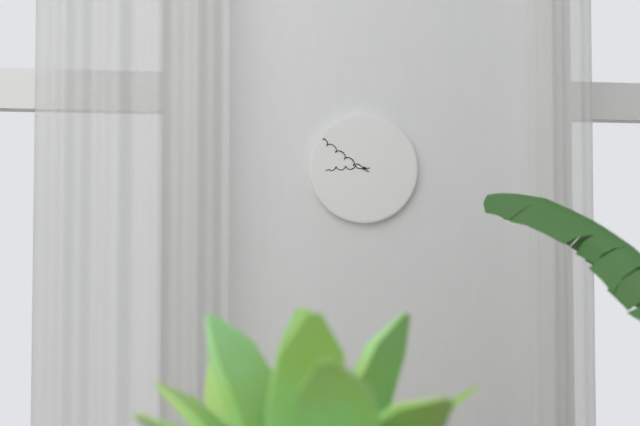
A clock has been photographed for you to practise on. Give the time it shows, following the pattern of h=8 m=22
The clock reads h=8 m=51
